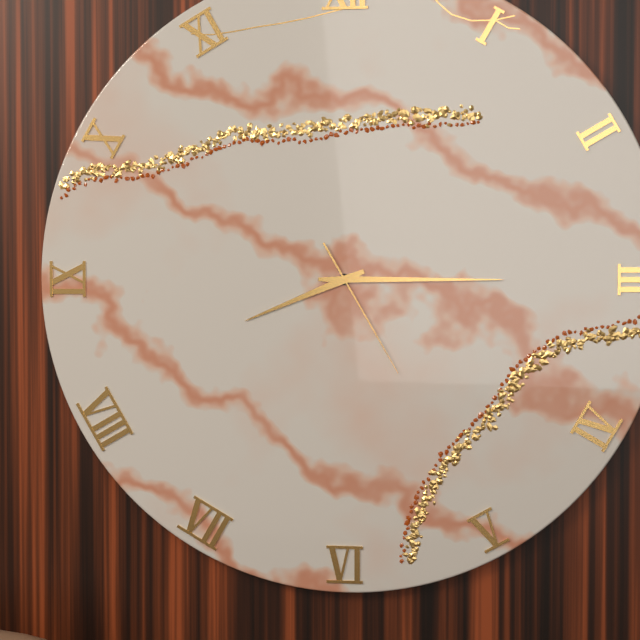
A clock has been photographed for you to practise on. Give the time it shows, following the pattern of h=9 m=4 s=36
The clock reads h=8 m=15 s=25
